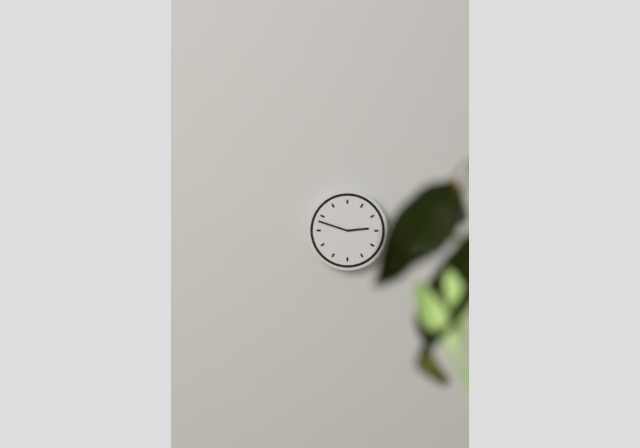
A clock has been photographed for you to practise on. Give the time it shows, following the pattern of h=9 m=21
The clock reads h=2 m=48
